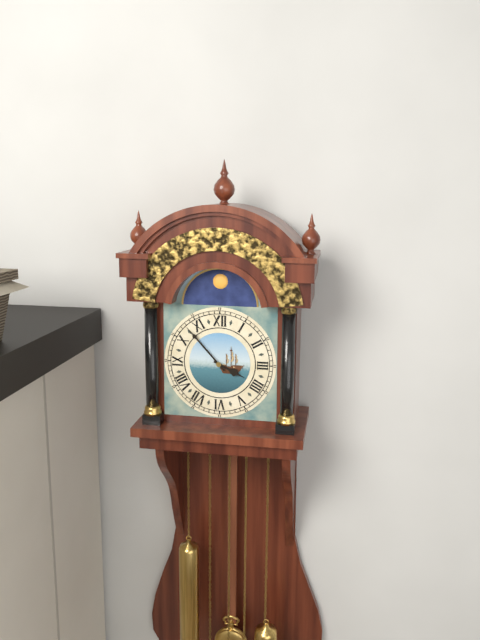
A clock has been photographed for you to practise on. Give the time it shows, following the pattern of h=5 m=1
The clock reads h=3 m=53
